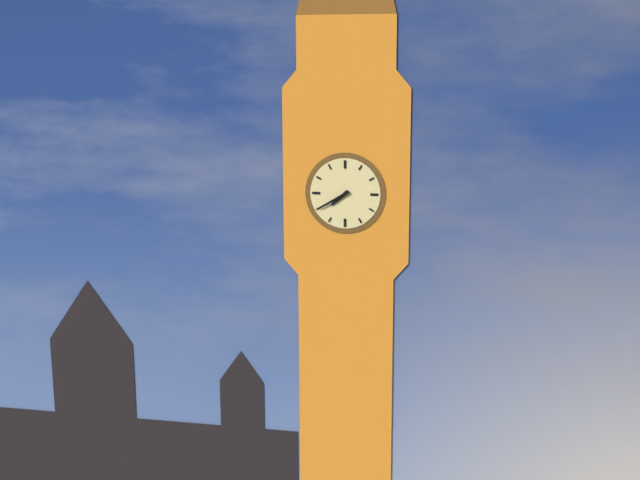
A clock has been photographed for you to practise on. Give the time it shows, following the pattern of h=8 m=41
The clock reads h=7 m=40
